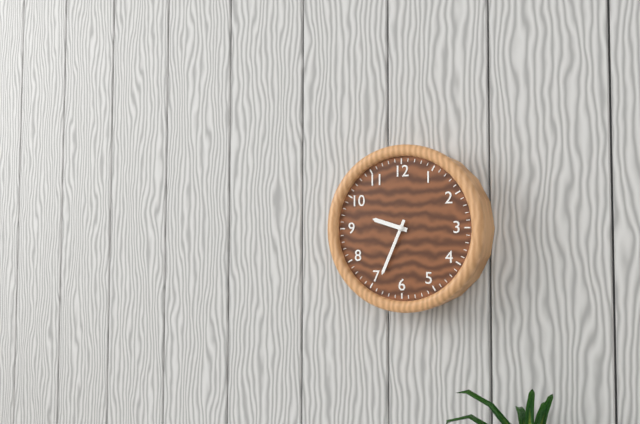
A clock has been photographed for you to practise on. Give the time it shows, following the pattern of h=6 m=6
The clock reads h=9 m=34
